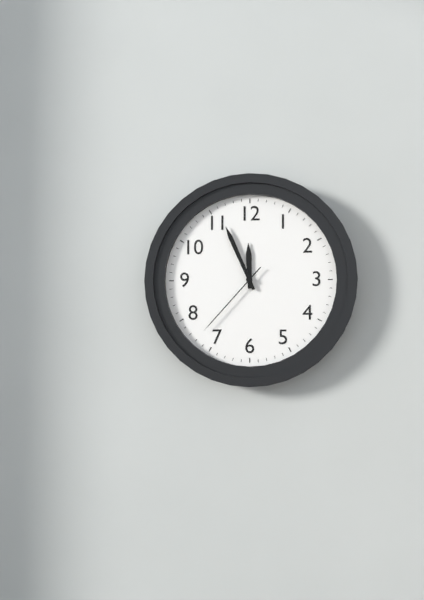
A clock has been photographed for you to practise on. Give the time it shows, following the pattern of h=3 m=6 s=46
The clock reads h=11 m=56 s=37
